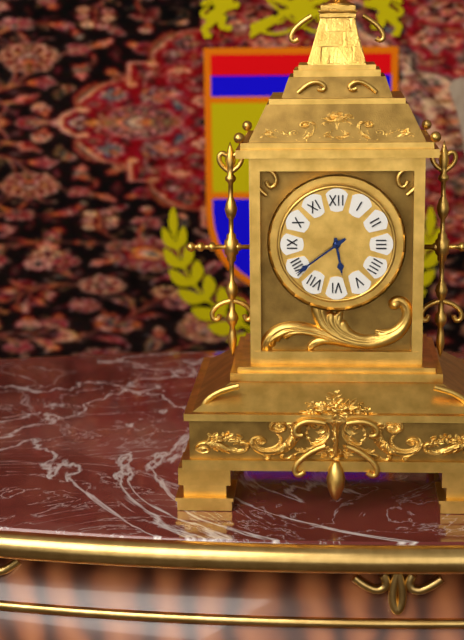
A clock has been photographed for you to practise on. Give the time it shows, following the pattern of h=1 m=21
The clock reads h=5 m=39
